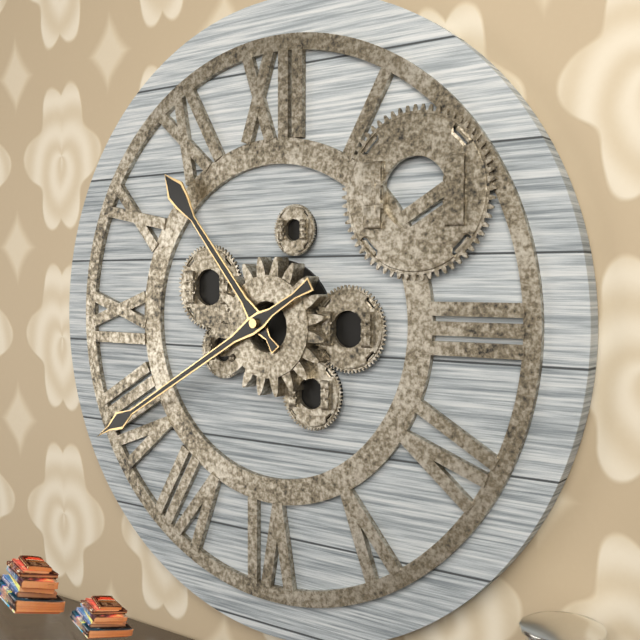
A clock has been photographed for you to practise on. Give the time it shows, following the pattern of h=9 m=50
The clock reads h=10 m=40
